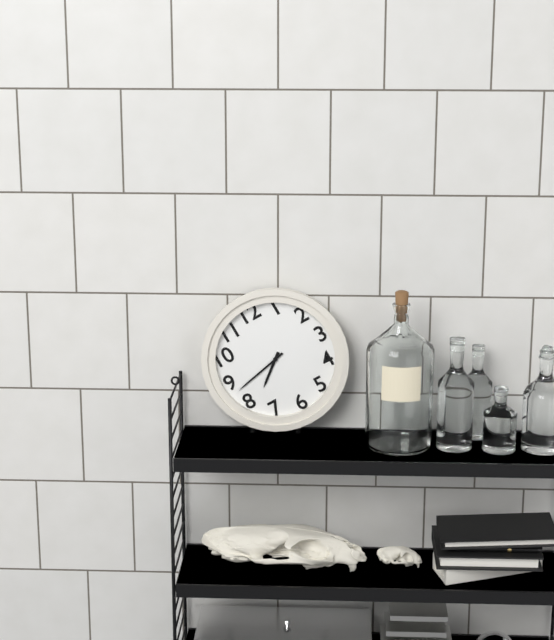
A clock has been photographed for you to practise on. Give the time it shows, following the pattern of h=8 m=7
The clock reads h=7 m=43
